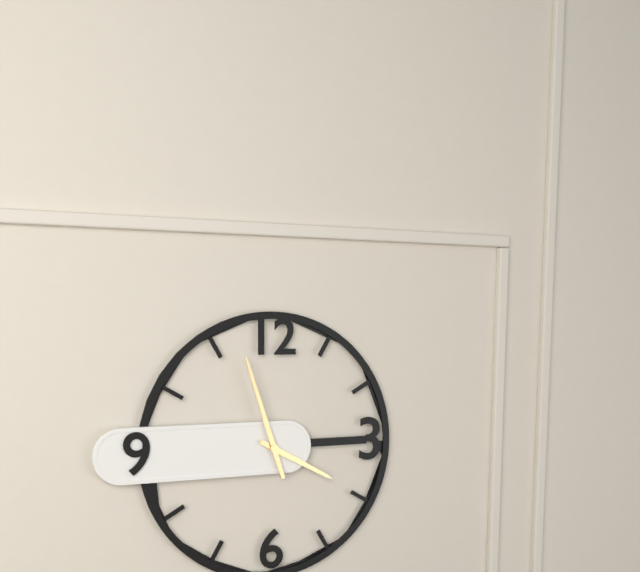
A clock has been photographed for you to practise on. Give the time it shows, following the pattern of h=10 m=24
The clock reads h=3 m=57
